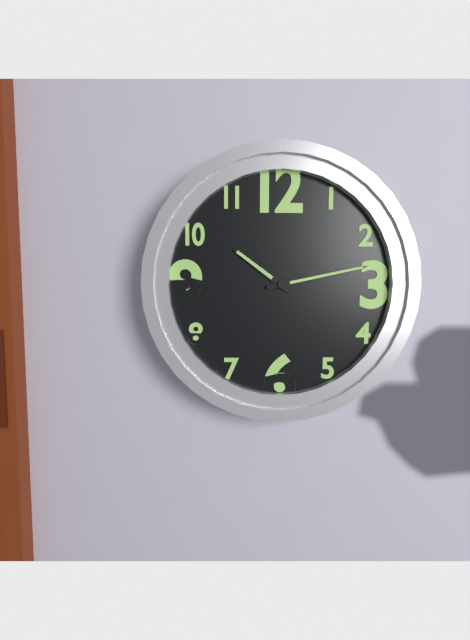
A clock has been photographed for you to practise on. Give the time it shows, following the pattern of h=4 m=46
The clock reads h=10 m=13
